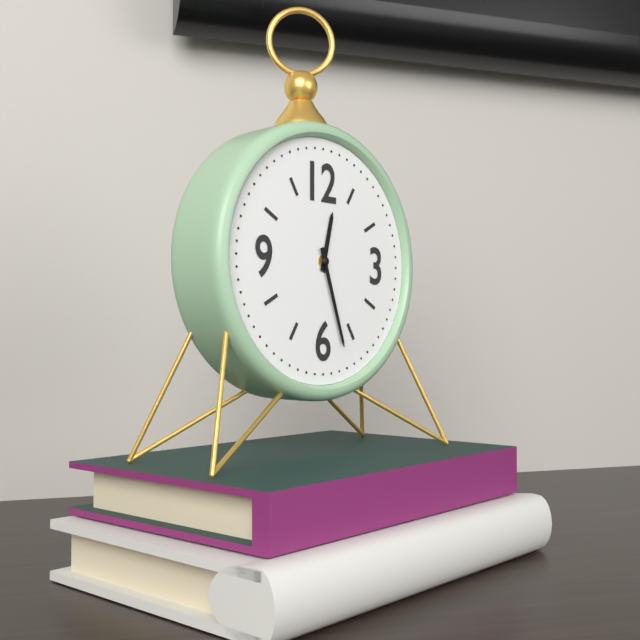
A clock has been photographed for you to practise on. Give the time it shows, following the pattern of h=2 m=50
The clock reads h=12 m=27
